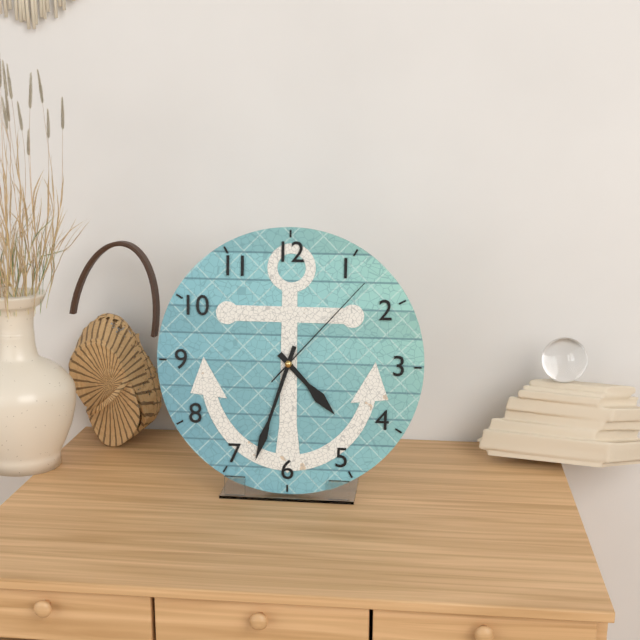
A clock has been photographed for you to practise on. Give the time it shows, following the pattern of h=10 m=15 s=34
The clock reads h=4 m=33 s=7
